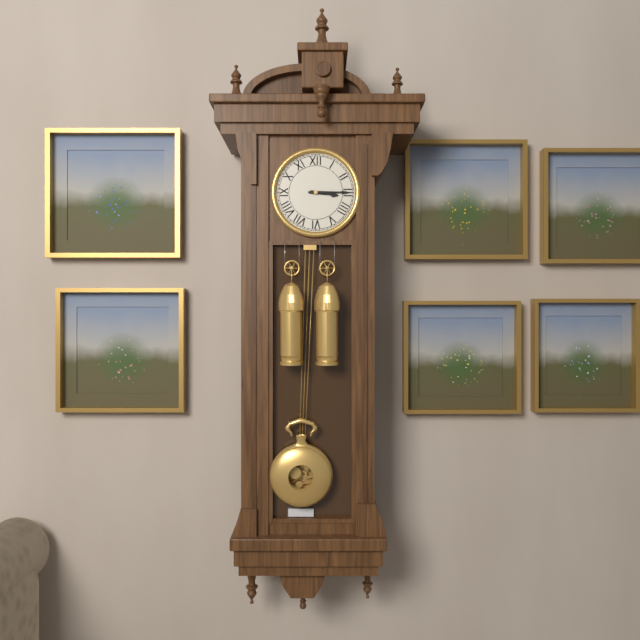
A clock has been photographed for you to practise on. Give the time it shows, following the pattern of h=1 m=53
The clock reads h=3 m=15
